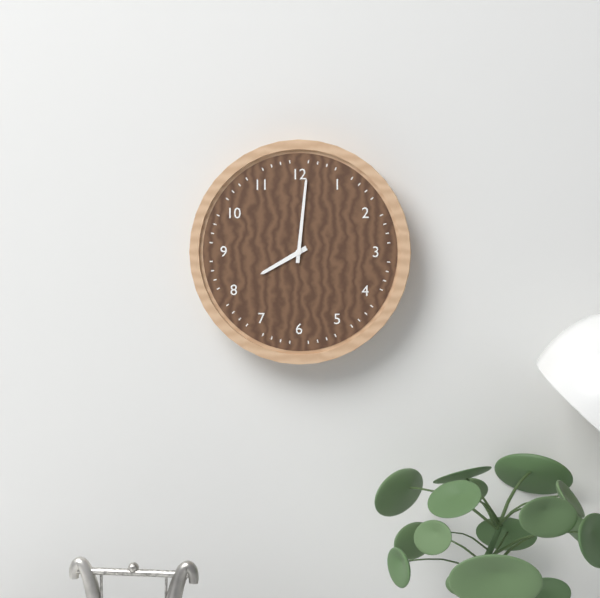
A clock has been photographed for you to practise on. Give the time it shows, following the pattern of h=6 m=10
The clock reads h=8 m=1
